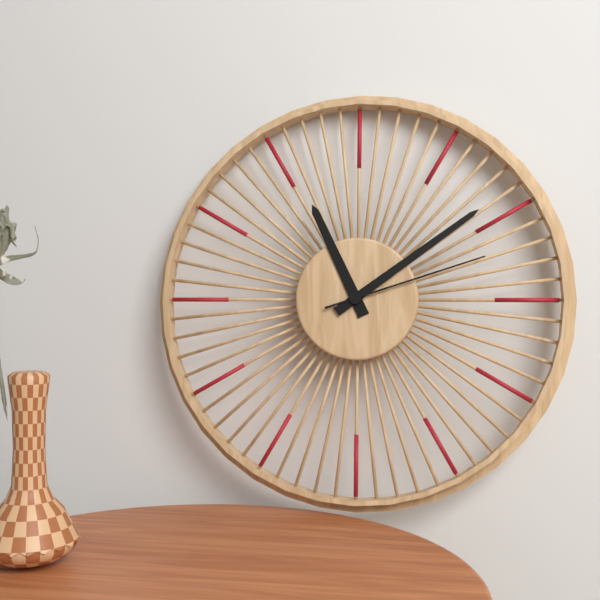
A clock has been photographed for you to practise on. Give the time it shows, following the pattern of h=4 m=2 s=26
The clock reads h=11 m=9 s=12
